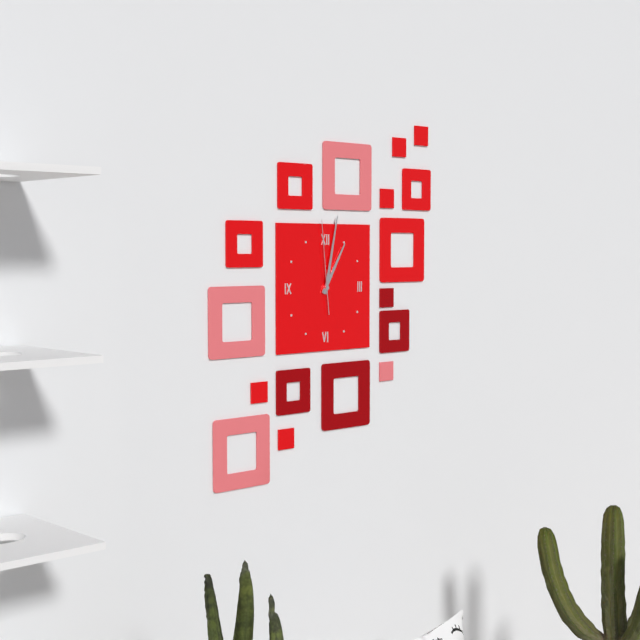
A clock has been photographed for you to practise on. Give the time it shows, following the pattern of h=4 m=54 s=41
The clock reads h=1 m=2 s=59
